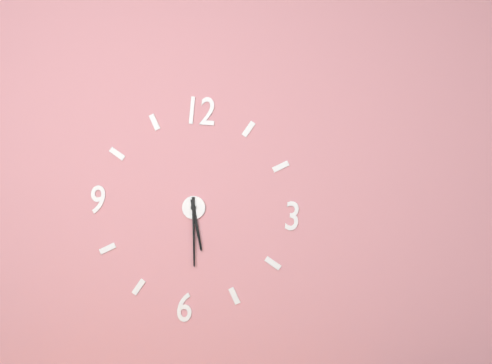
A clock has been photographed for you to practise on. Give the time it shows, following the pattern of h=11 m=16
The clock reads h=5 m=29
